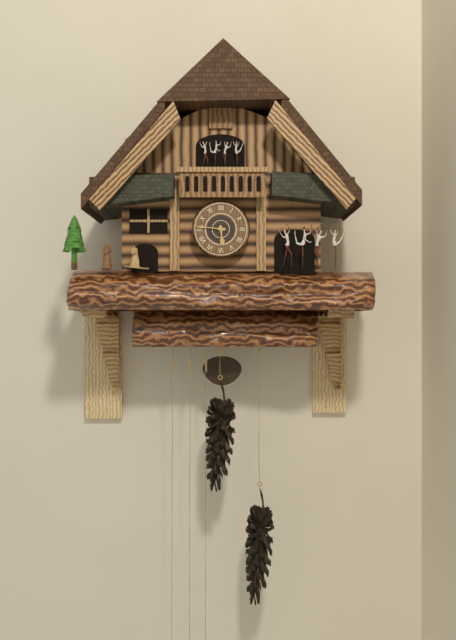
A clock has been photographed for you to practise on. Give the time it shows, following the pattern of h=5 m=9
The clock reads h=5 m=46
